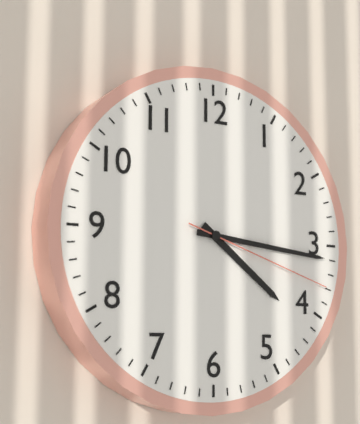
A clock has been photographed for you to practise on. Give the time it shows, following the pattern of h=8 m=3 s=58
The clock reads h=4 m=16 s=18
